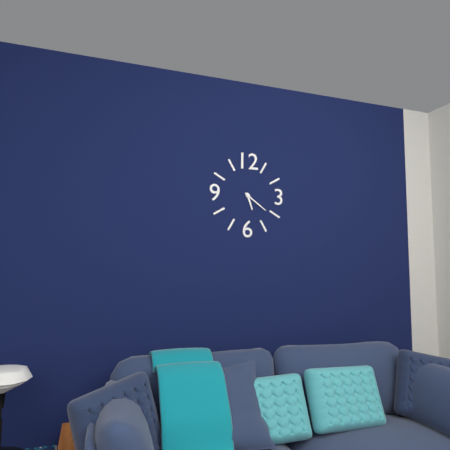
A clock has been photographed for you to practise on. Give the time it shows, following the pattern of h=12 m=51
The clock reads h=5 m=21
